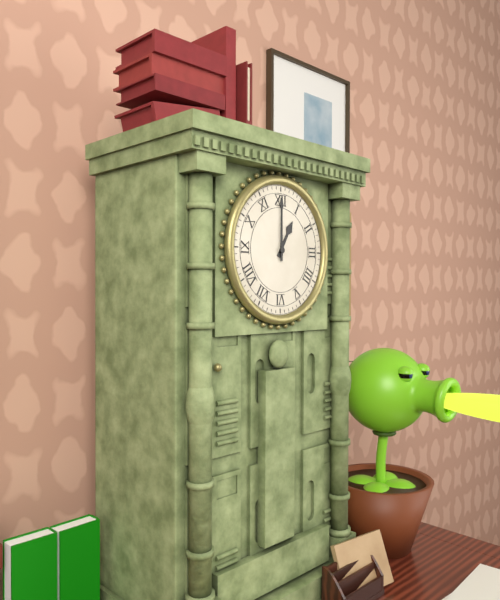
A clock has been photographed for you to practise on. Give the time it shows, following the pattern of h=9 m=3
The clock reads h=1 m=0
